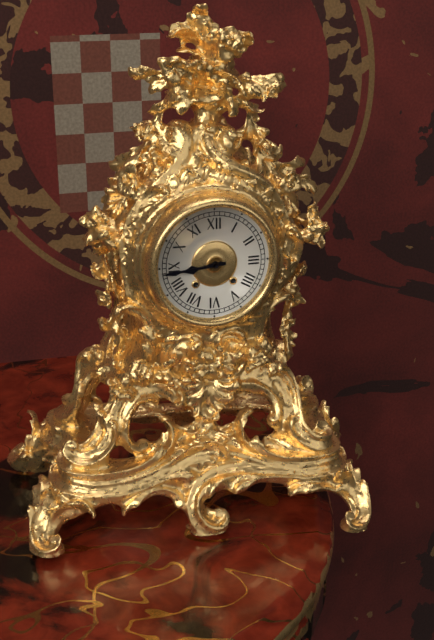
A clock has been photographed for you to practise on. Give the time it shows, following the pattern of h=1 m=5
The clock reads h=8 m=44
